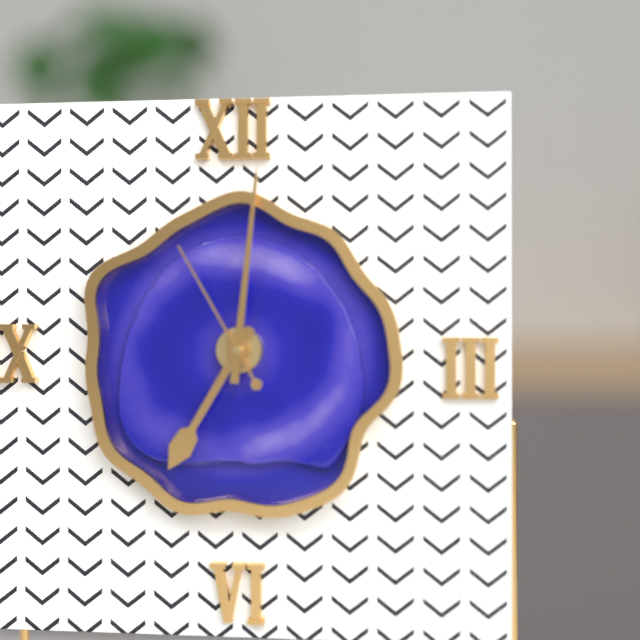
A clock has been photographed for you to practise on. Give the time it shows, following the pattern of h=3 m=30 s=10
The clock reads h=7 m=1 s=55
